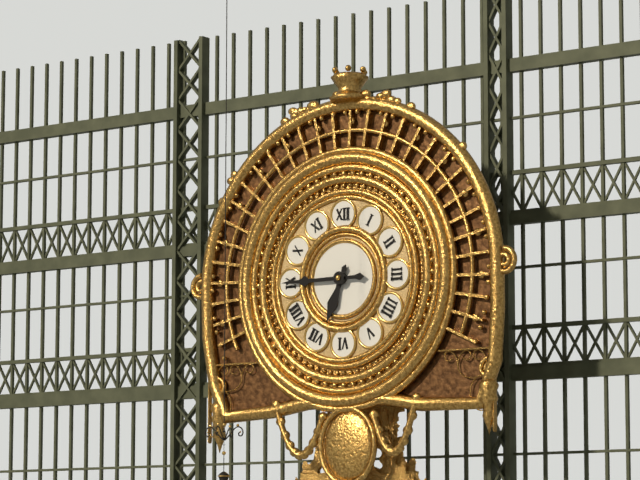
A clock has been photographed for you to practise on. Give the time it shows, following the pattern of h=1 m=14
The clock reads h=6 m=45
